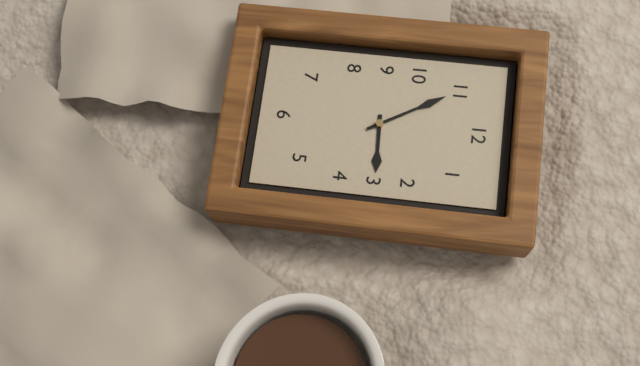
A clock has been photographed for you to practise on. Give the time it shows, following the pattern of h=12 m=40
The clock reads h=2 m=55
